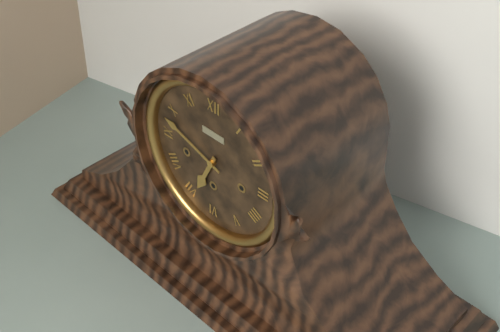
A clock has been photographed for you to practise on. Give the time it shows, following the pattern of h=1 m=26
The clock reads h=6 m=48
